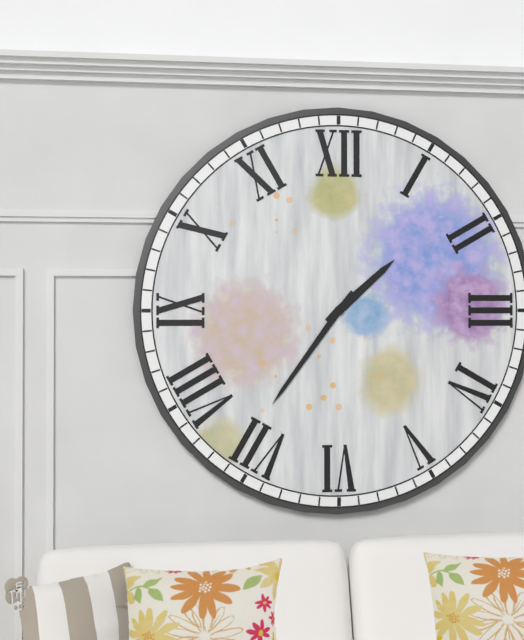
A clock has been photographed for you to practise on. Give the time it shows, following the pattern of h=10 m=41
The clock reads h=1 m=36
